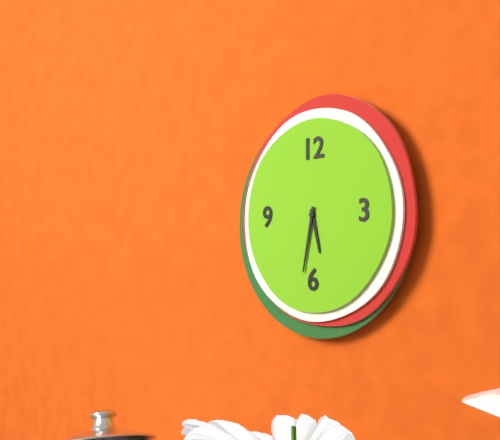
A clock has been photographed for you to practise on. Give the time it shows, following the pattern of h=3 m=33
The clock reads h=5 m=32
